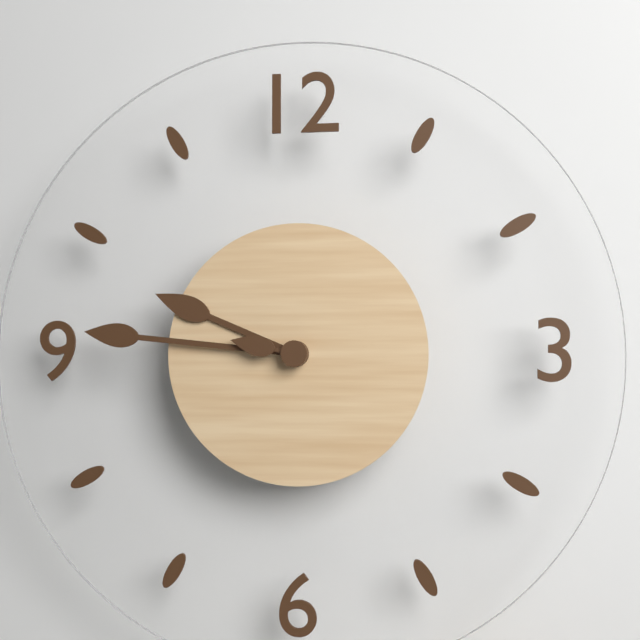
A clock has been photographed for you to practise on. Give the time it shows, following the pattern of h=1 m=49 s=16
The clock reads h=9 m=46 s=47
